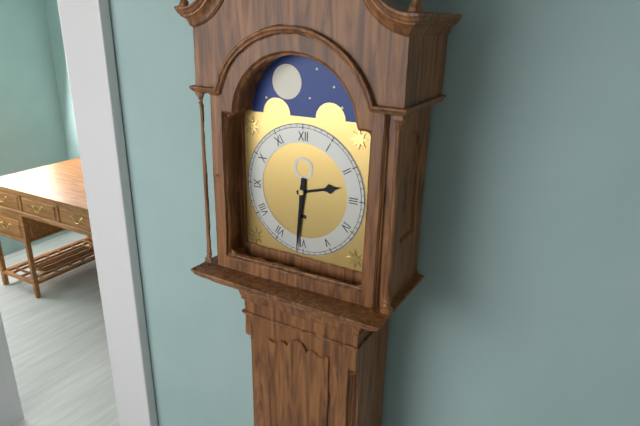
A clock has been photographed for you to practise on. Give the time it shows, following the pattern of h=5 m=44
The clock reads h=2 m=31
